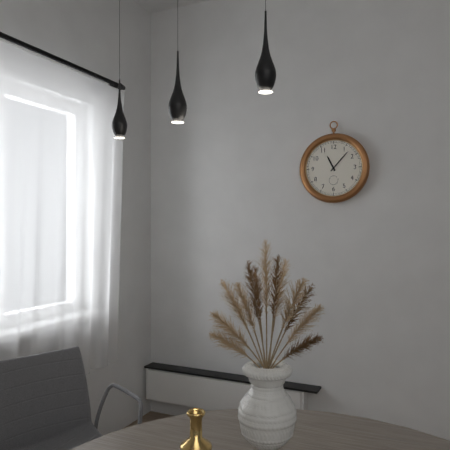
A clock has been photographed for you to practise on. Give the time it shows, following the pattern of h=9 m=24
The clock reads h=11 m=7
